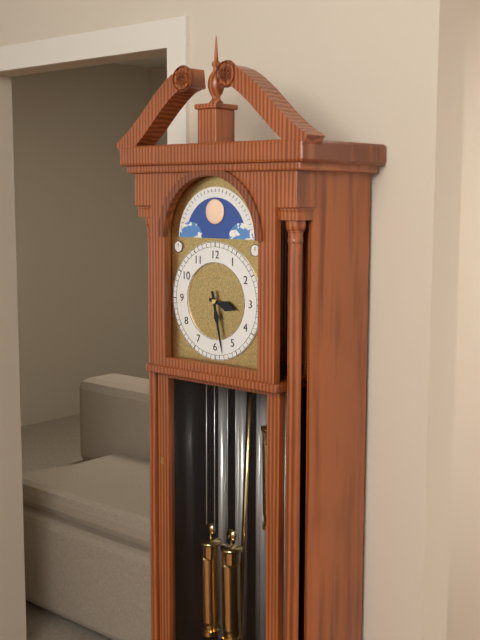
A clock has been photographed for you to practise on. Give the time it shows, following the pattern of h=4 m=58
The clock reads h=3 m=28
